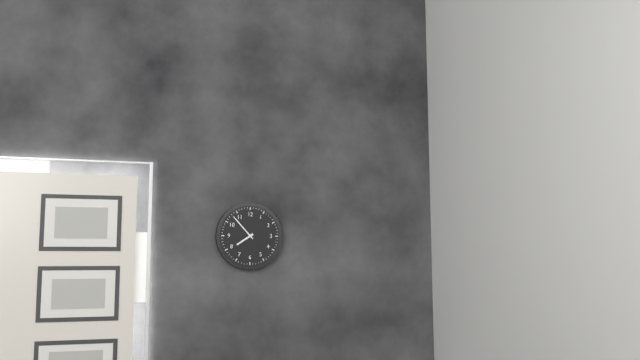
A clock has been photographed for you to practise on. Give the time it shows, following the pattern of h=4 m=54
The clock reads h=7 m=53
